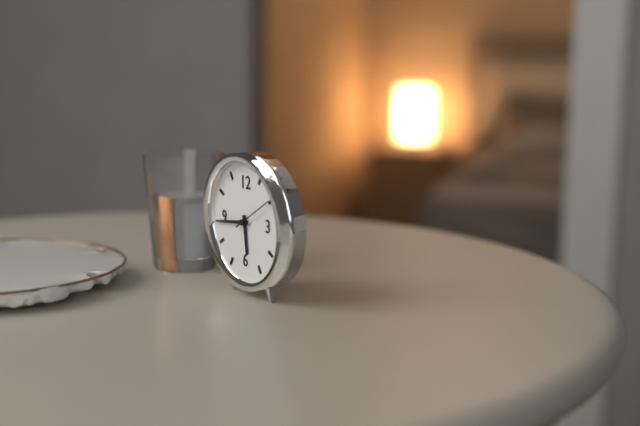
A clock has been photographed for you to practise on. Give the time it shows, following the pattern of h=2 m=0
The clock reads h=5 m=44
